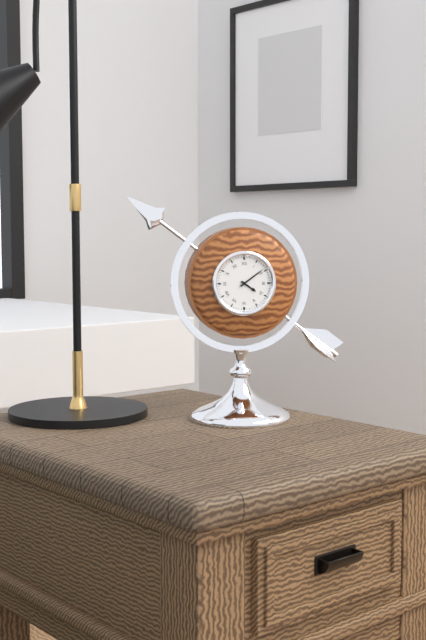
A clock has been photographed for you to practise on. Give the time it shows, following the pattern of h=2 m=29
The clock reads h=4 m=9
